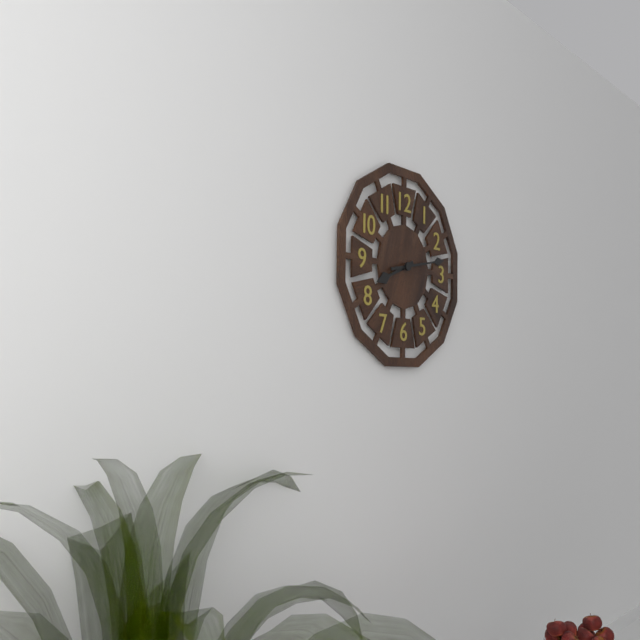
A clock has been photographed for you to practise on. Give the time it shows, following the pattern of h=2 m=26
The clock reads h=8 m=13
